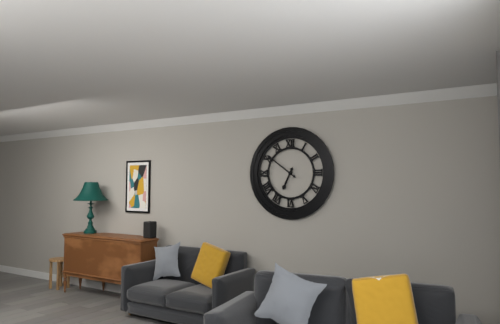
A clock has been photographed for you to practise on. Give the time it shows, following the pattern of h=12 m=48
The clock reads h=6 m=51
